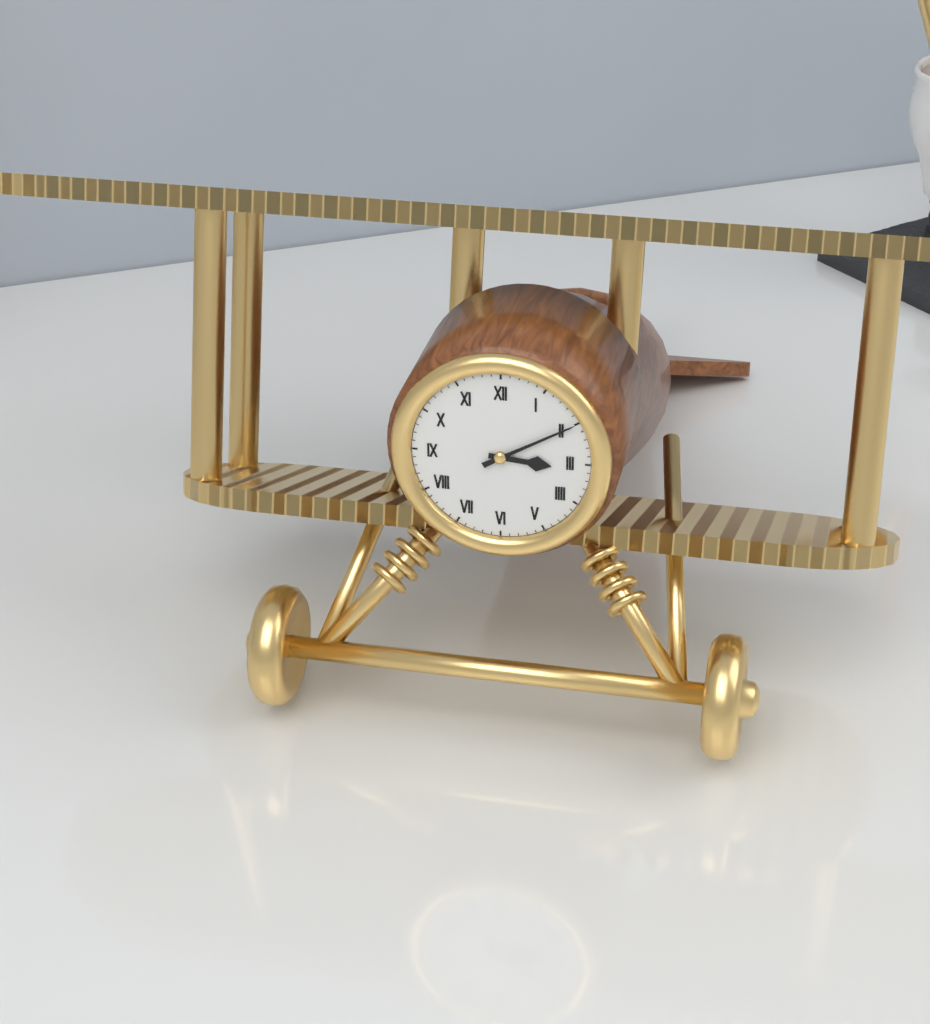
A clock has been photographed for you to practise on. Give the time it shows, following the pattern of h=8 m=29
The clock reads h=3 m=10
